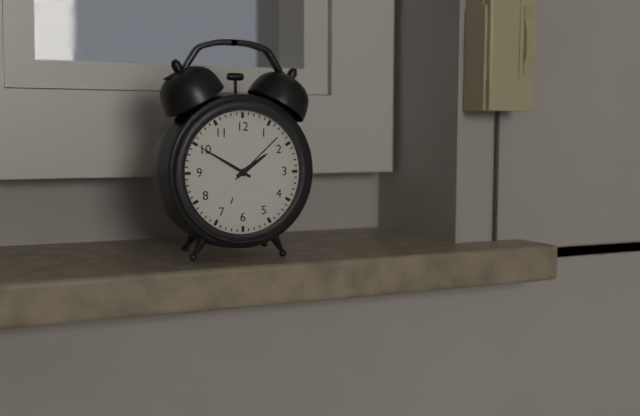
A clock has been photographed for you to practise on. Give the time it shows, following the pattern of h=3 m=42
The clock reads h=1 m=50
